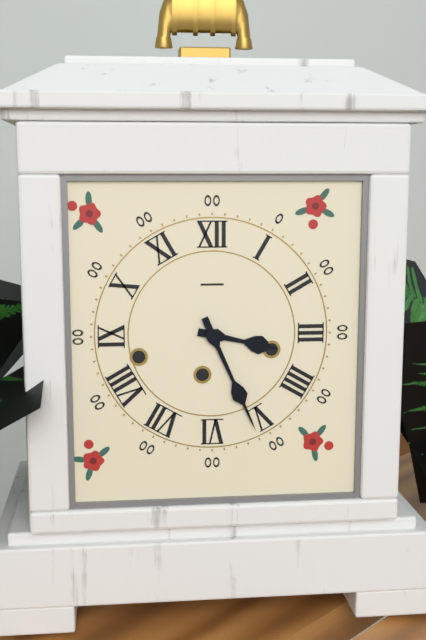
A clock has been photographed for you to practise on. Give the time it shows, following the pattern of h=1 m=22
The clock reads h=3 m=26
